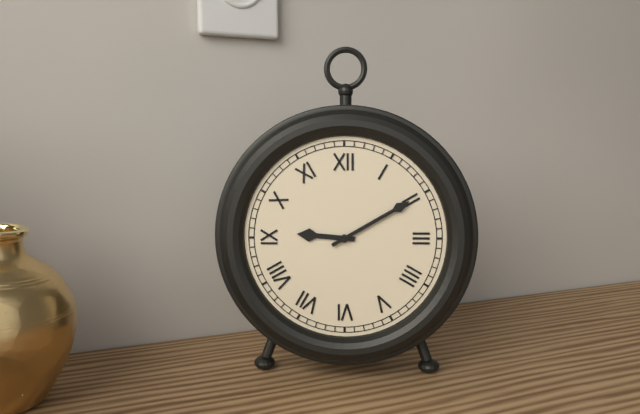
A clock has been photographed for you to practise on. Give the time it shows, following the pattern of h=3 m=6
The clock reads h=9 m=10
